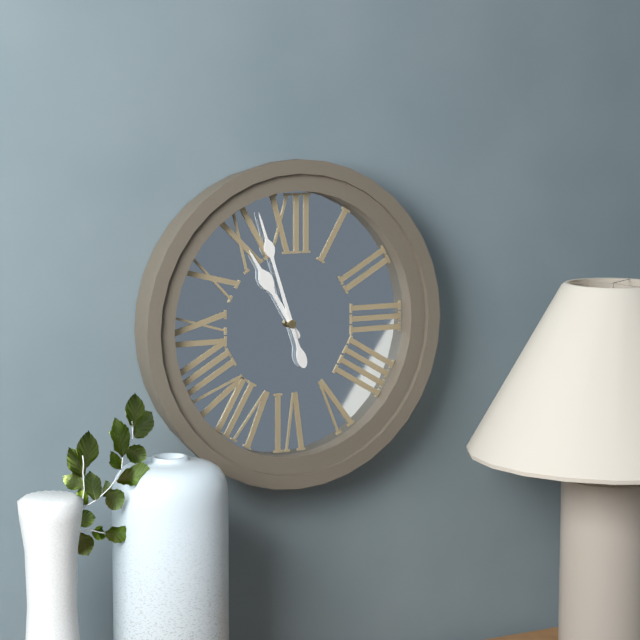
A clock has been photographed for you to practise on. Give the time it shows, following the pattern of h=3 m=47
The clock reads h=10 m=57
